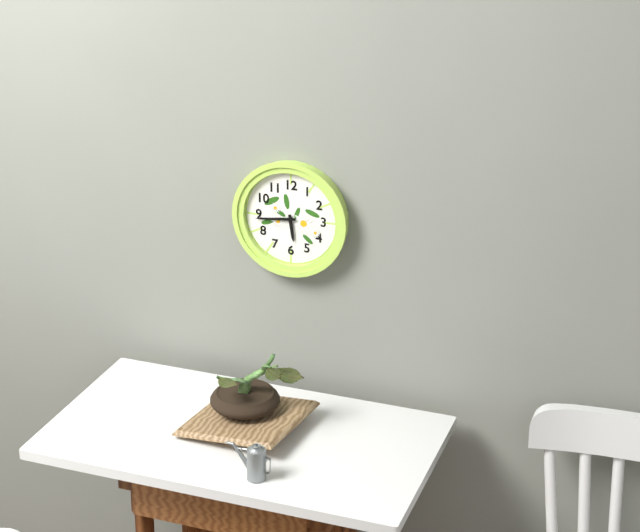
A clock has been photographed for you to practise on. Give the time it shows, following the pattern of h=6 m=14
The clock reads h=5 m=44
